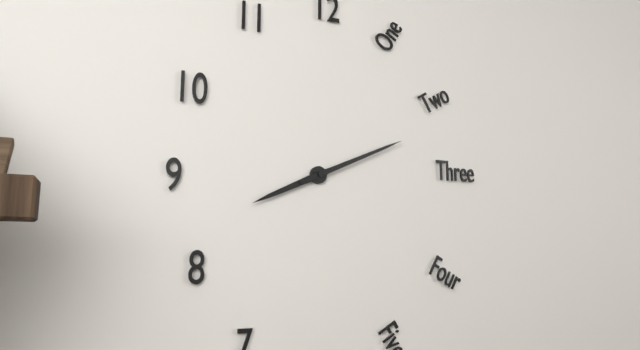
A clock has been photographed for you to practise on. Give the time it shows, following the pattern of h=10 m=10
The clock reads h=8 m=11
